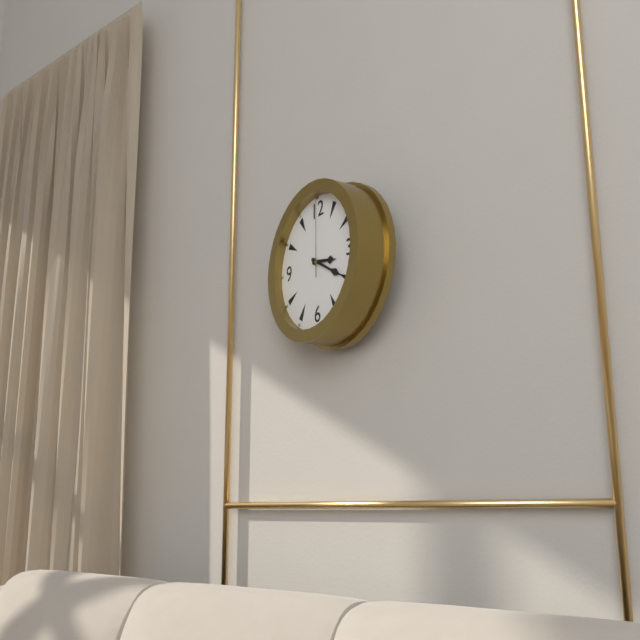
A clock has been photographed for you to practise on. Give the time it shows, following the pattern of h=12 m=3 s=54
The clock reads h=3 m=20 s=0
